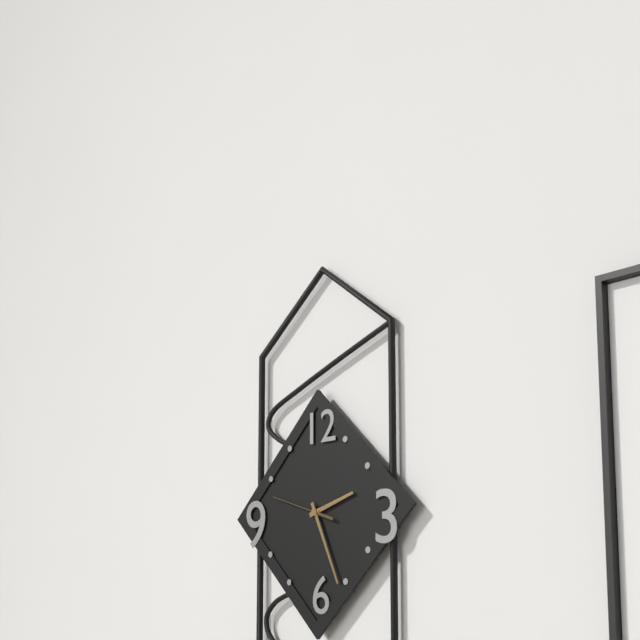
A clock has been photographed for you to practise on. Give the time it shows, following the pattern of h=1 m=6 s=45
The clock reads h=2 m=26 s=48
